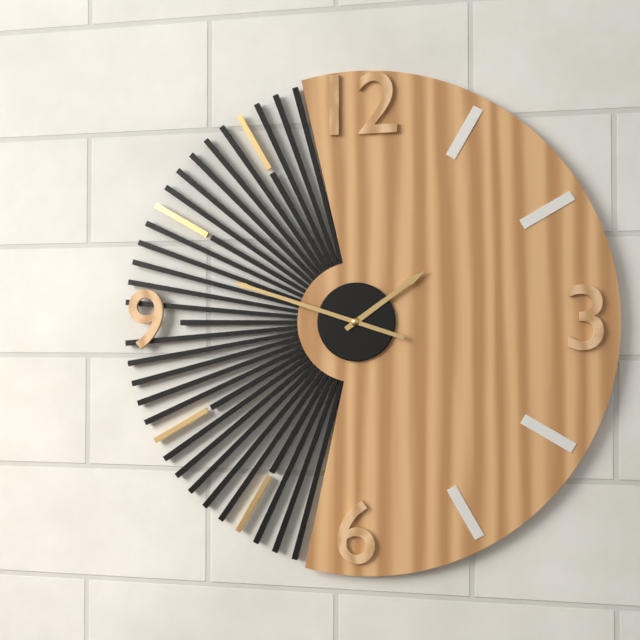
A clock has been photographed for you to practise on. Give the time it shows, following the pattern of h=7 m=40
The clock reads h=1 m=48
